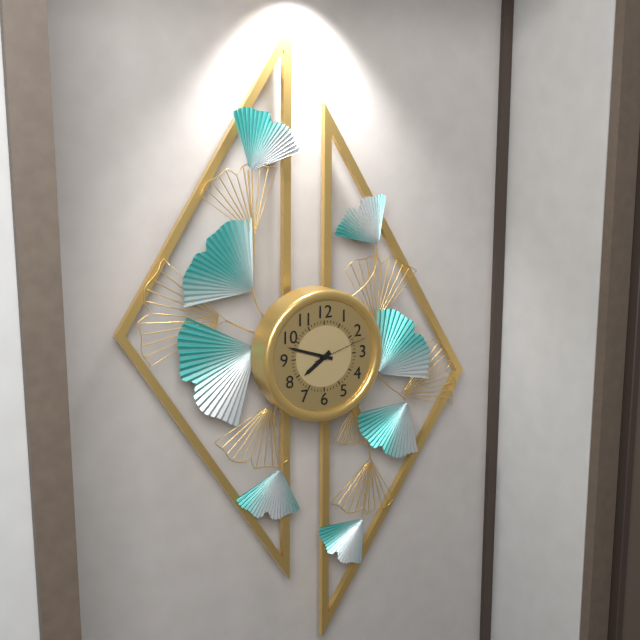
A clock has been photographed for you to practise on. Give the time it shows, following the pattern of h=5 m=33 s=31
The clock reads h=7 m=48 s=12
